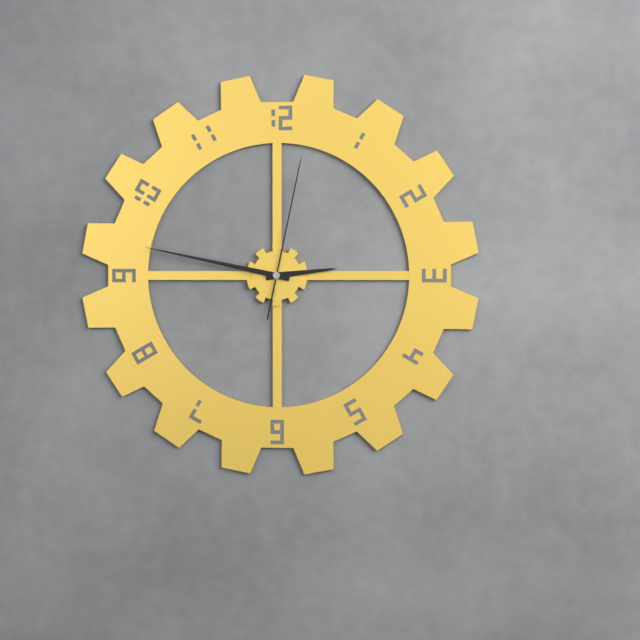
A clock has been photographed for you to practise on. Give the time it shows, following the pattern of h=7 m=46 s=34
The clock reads h=2 m=47 s=2
